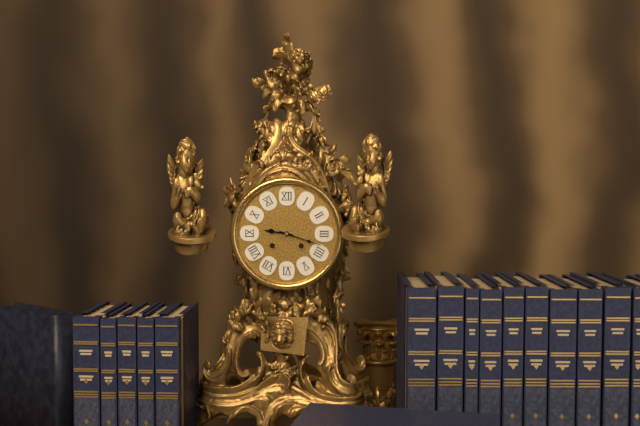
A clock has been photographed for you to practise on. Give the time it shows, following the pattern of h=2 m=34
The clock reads h=9 m=18
